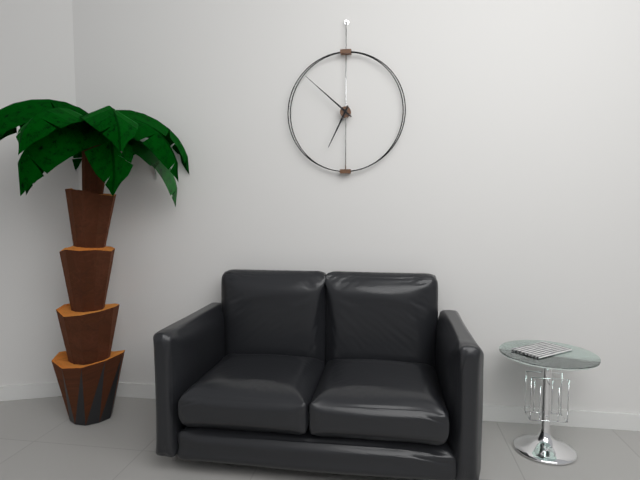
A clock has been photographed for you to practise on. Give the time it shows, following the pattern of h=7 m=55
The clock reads h=6 m=52
